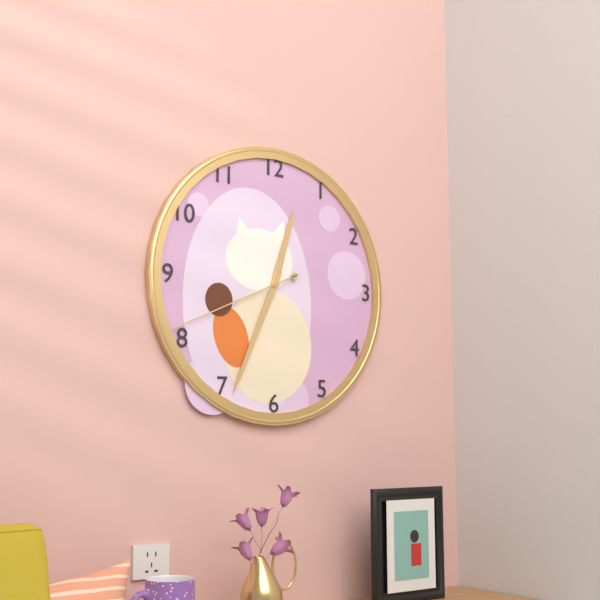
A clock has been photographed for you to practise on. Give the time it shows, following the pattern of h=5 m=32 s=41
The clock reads h=12 m=34 s=41
